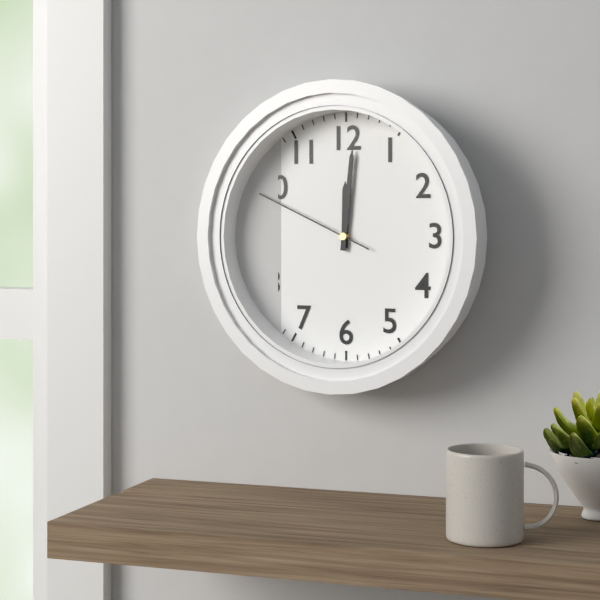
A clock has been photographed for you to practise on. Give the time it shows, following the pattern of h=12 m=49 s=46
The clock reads h=12 m=1 s=49
